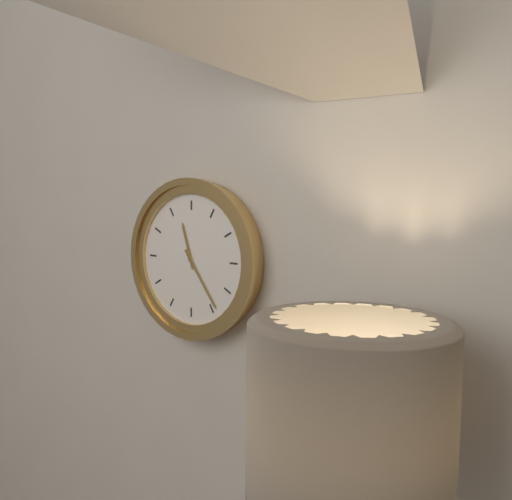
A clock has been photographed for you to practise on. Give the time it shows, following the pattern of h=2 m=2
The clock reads h=11 m=24
